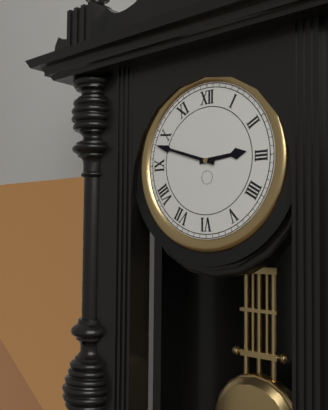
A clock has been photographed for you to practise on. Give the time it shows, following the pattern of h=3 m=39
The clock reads h=2 m=48
